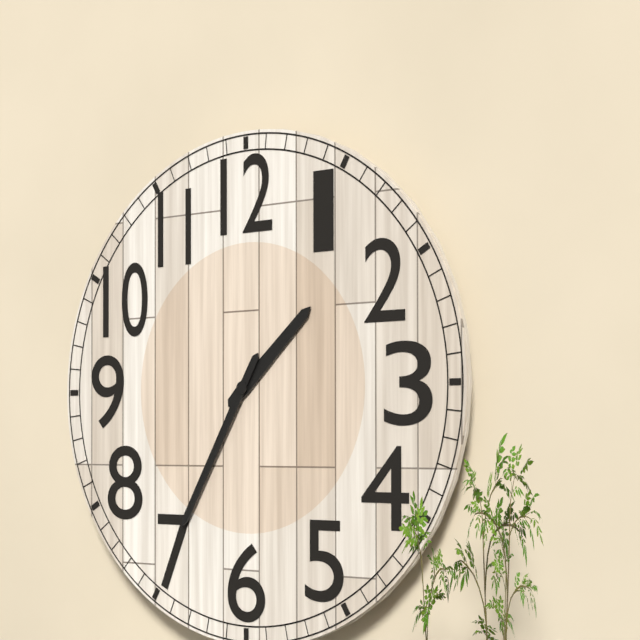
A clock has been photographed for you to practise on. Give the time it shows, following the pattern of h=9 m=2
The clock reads h=1 m=35
